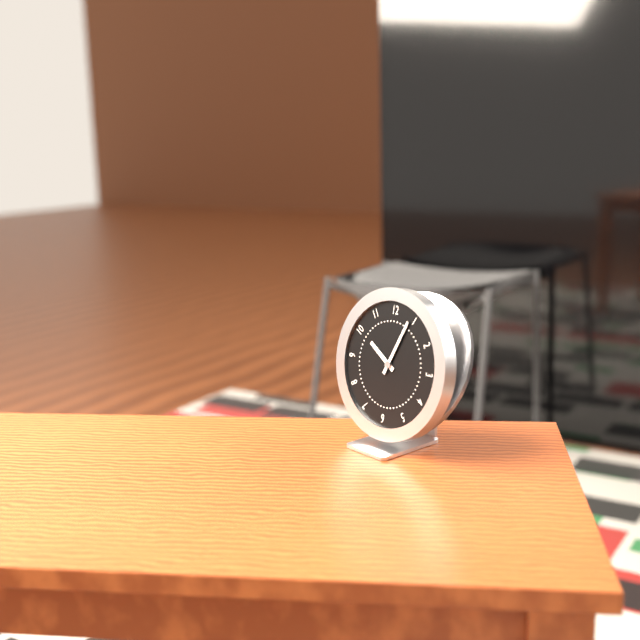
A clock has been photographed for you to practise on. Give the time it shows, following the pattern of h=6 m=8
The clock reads h=10 m=4
